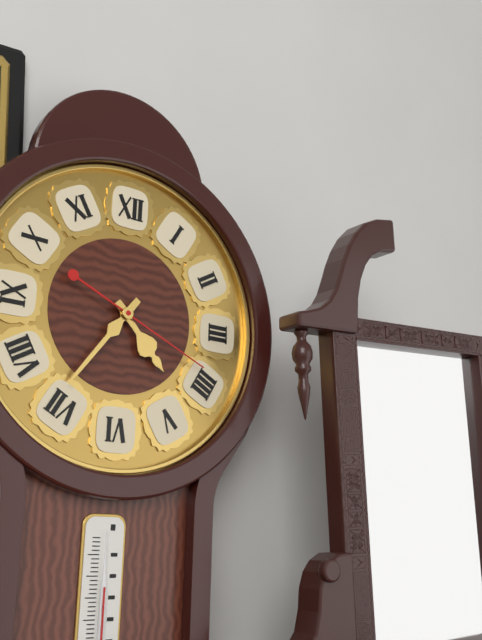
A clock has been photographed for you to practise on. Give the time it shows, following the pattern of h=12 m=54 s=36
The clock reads h=4 m=36 s=19
